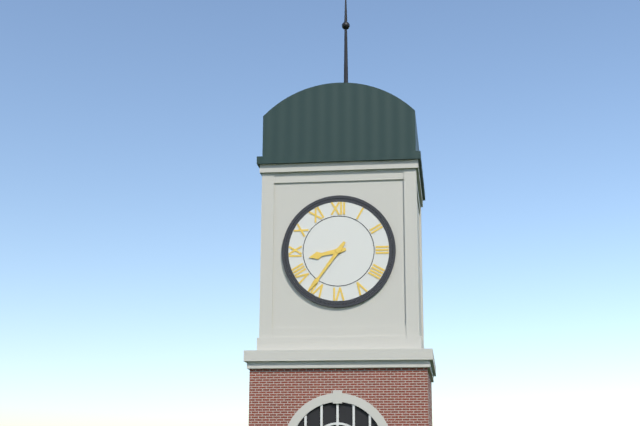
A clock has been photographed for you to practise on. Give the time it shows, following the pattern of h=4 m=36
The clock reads h=8 m=36
